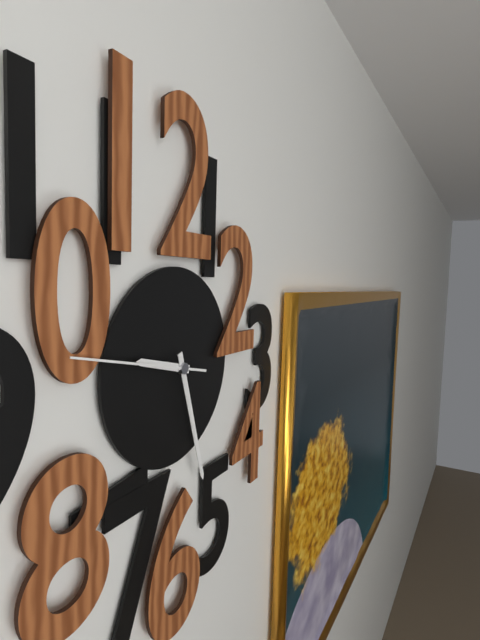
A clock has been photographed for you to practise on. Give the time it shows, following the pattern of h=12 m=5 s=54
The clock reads h=9 m=27 s=47
